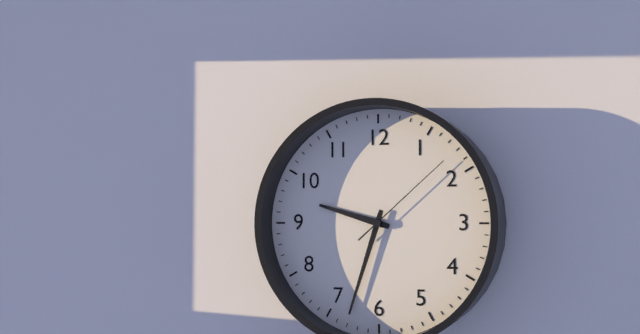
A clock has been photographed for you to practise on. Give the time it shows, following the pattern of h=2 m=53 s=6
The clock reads h=9 m=33 s=8
